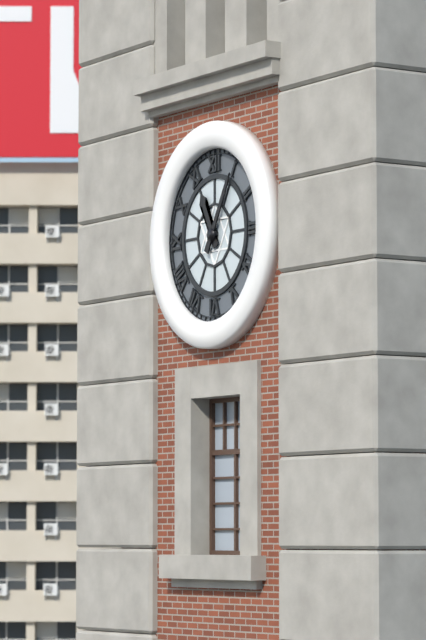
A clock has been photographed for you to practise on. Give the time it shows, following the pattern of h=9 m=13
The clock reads h=11 m=5
